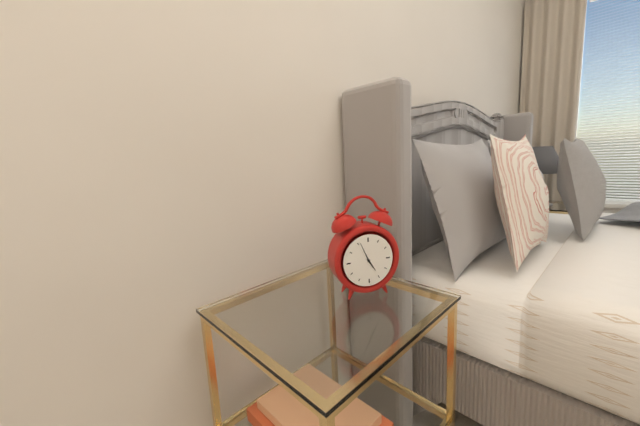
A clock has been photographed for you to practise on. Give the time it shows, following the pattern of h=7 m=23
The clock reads h=4 m=56
